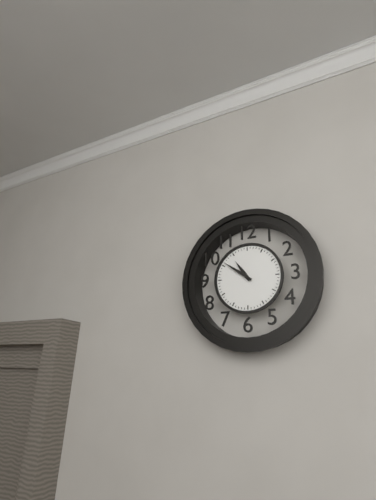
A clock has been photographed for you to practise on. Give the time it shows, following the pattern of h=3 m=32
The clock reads h=10 m=51
